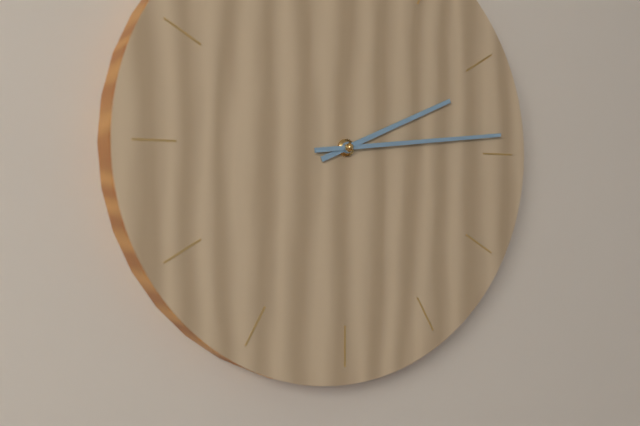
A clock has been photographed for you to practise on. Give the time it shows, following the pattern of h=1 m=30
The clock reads h=2 m=14
